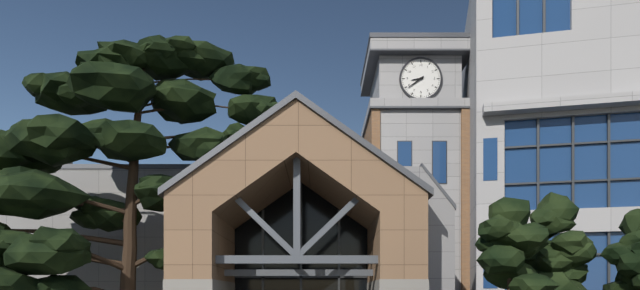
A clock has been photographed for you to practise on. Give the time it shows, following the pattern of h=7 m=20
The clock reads h=8 m=39
